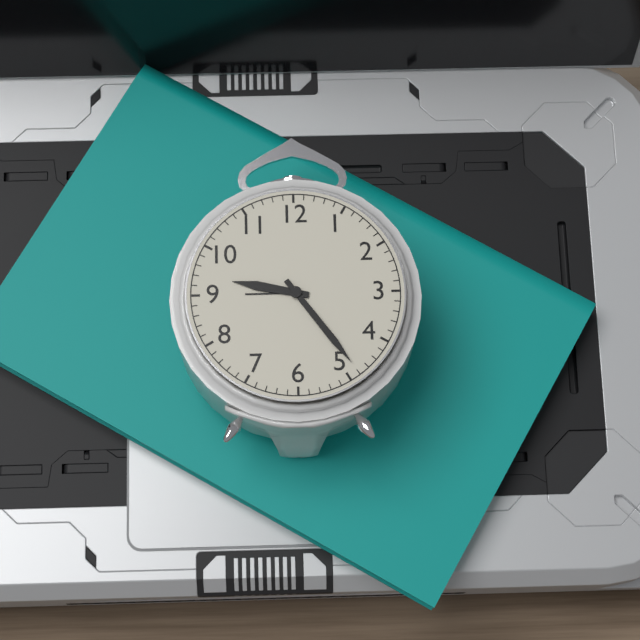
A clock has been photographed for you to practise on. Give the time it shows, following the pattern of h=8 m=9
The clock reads h=9 m=24
